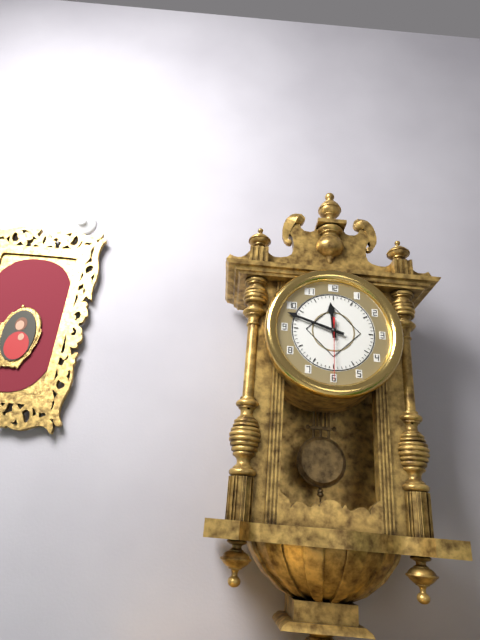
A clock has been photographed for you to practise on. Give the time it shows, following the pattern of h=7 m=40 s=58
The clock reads h=11 m=48 s=30
